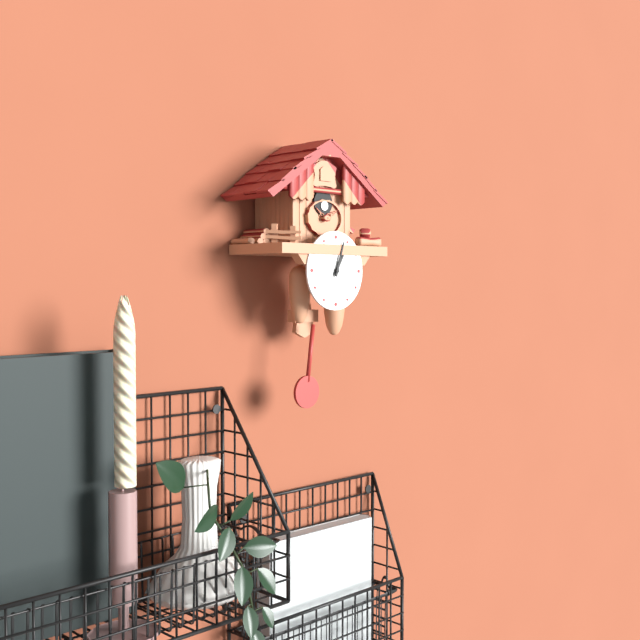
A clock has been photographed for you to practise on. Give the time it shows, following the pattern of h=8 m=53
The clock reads h=1 m=3
